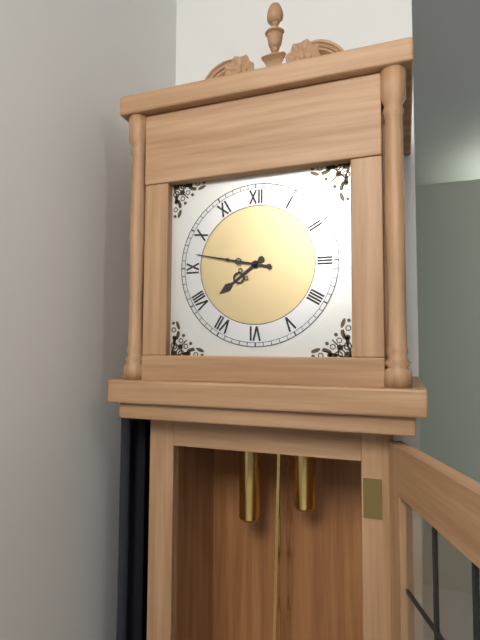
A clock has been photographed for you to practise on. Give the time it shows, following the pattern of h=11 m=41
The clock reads h=7 m=47
